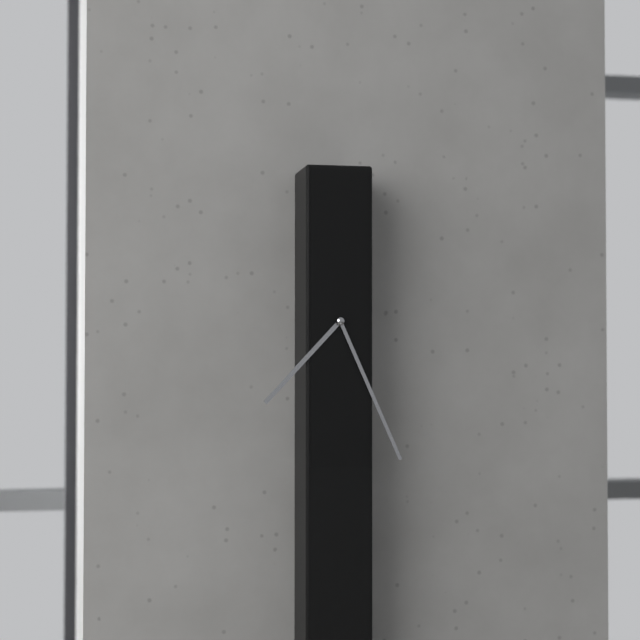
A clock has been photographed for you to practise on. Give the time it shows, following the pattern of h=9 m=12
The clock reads h=7 m=26
